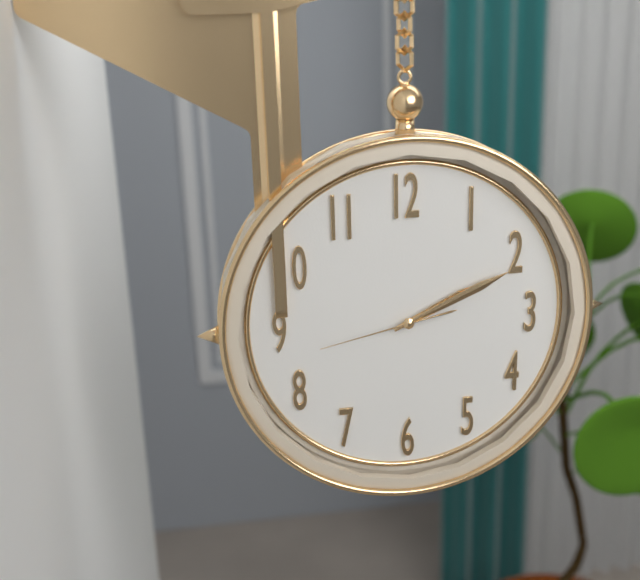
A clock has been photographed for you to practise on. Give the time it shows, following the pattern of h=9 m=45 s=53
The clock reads h=2 m=11 s=43
